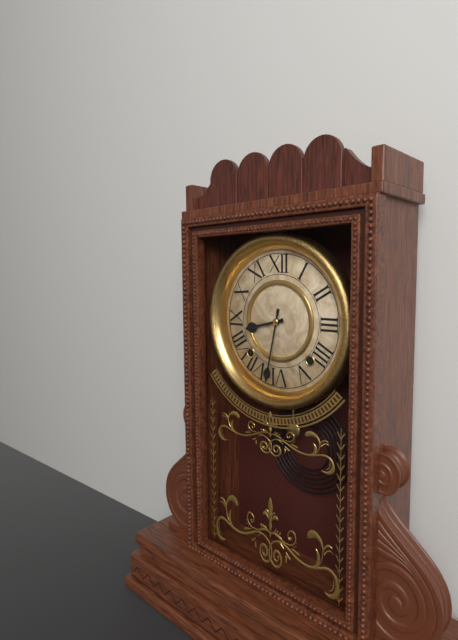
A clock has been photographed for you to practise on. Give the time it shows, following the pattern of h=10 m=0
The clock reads h=8 m=32
